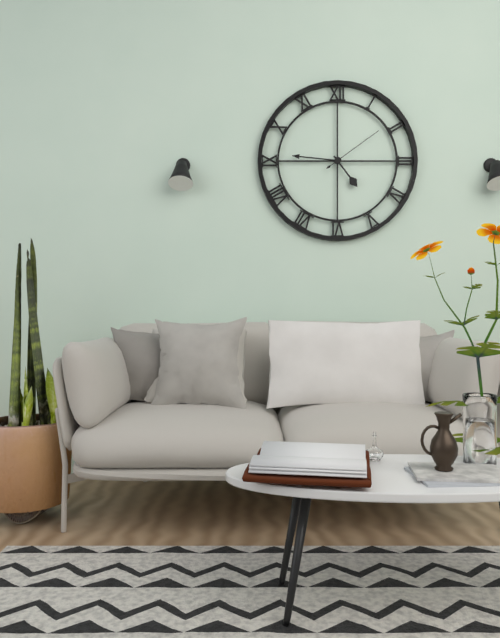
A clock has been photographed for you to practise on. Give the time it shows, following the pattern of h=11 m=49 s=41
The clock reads h=4 m=46 s=9
